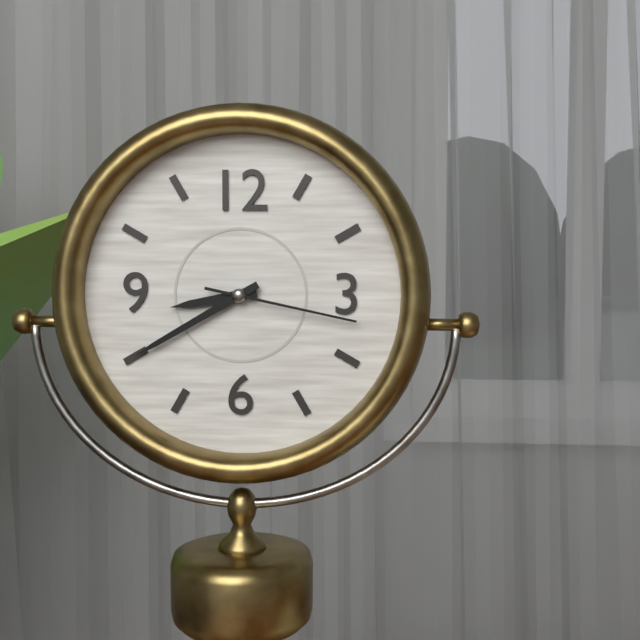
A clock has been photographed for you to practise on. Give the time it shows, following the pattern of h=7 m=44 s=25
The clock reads h=8 m=40 s=17
